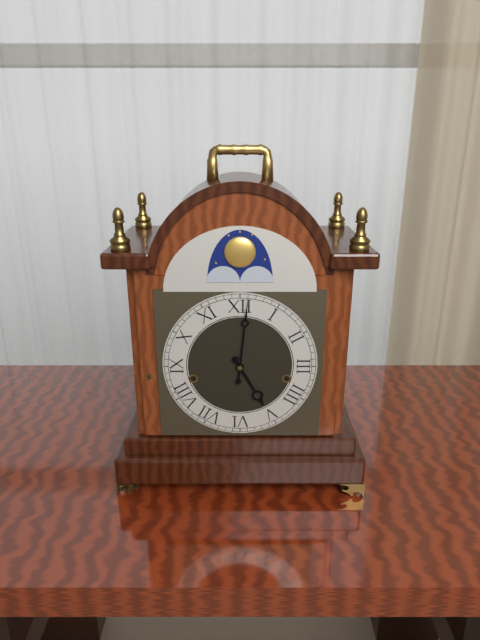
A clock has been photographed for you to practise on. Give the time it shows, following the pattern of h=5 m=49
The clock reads h=5 m=1
